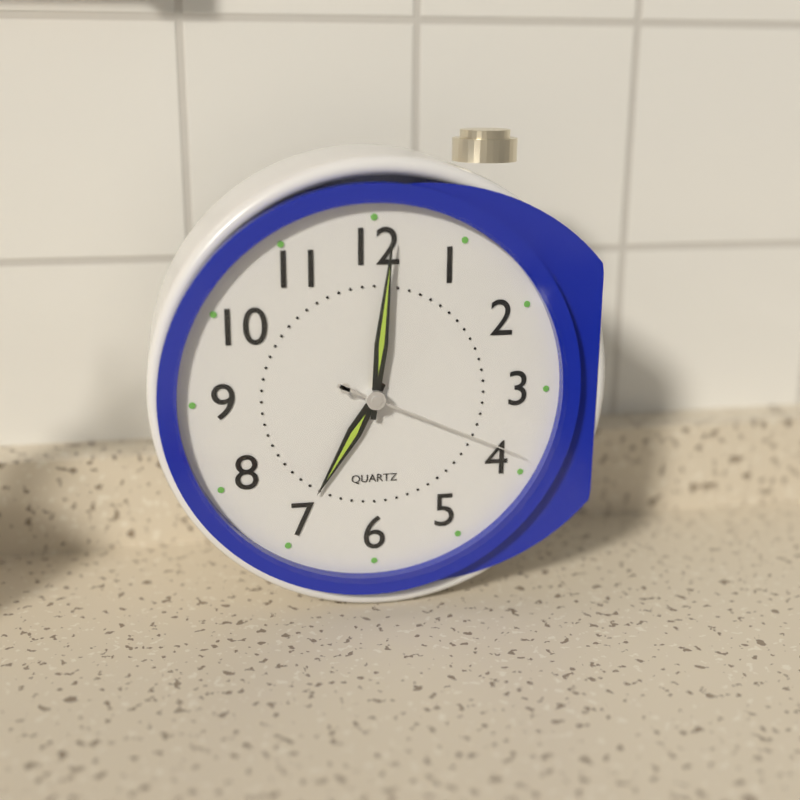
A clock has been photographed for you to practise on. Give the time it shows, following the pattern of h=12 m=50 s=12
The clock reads h=7 m=1 s=19
